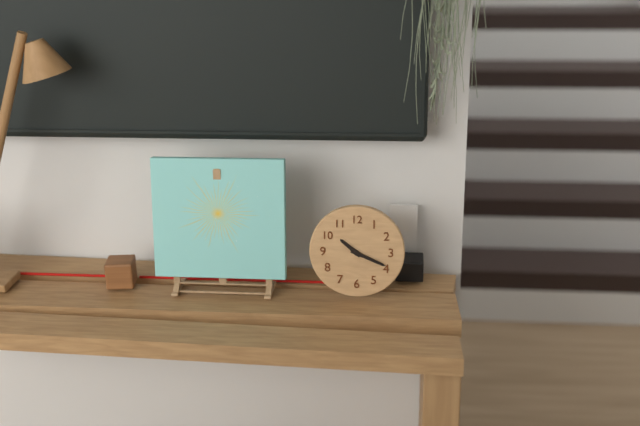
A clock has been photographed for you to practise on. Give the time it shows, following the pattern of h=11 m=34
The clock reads h=10 m=19
